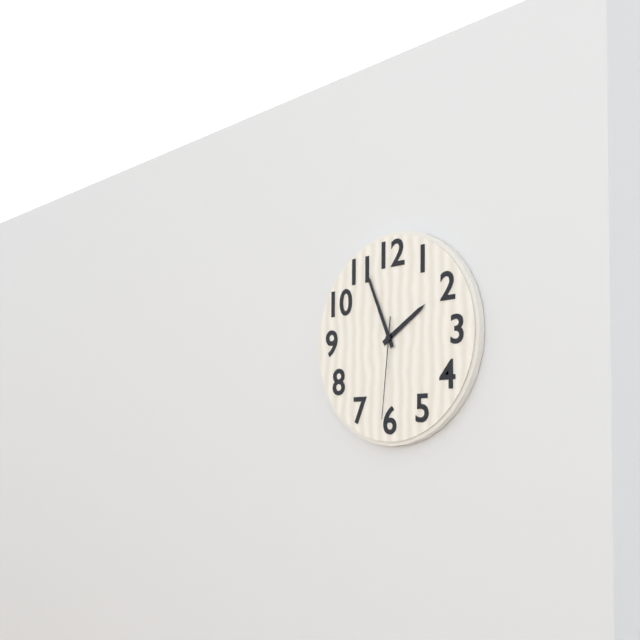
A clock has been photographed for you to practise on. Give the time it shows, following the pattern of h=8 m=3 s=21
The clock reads h=1 m=56 s=31
